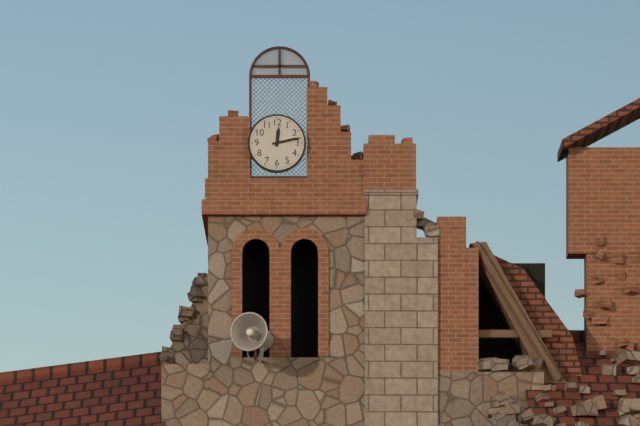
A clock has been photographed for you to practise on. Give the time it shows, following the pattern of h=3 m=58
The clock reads h=12 m=13
